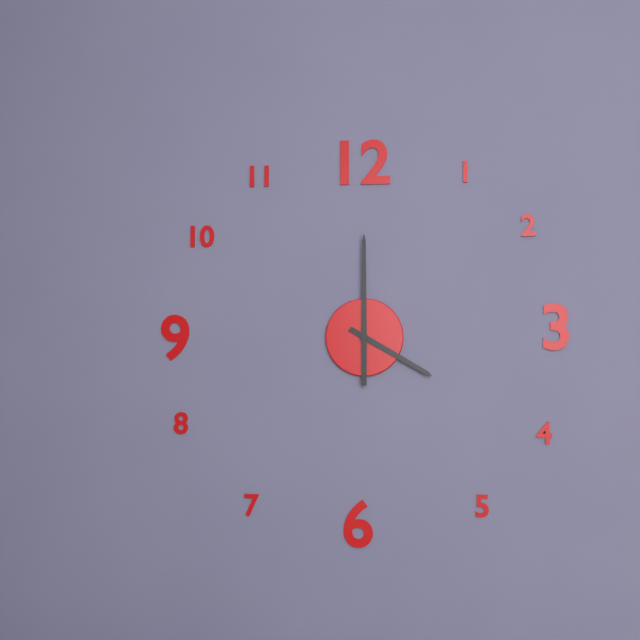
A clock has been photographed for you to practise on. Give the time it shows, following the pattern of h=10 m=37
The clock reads h=4 m=0
